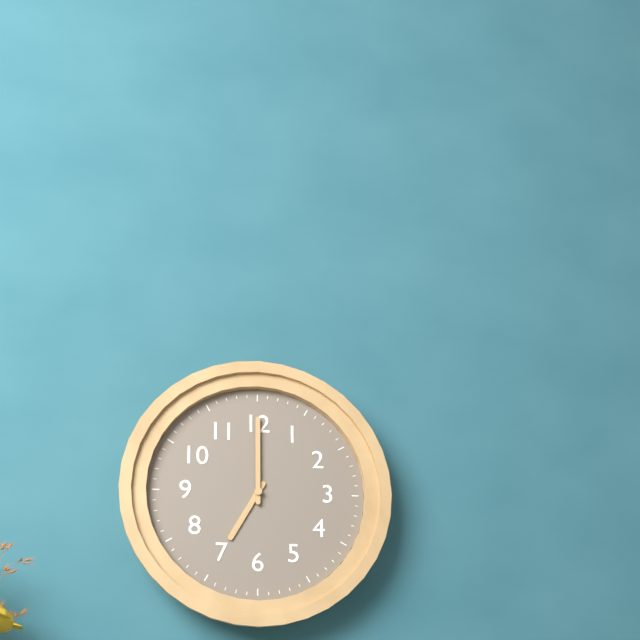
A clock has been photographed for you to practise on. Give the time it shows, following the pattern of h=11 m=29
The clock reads h=7 m=0
